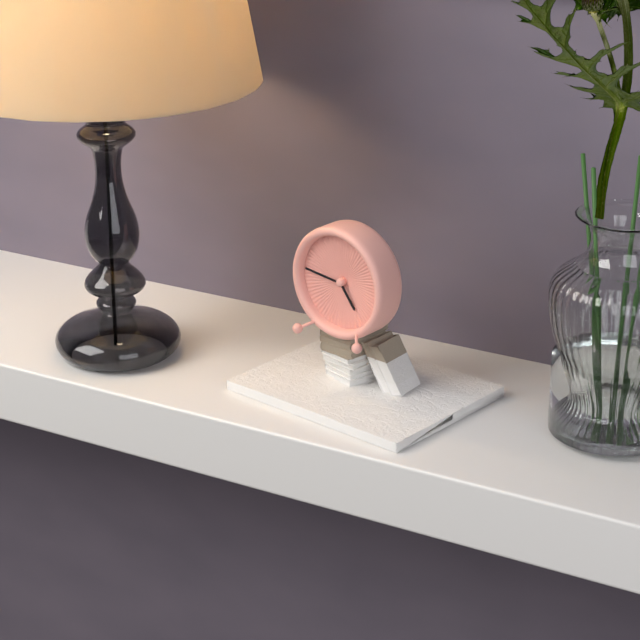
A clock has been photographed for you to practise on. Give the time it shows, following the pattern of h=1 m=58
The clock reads h=4 m=46
